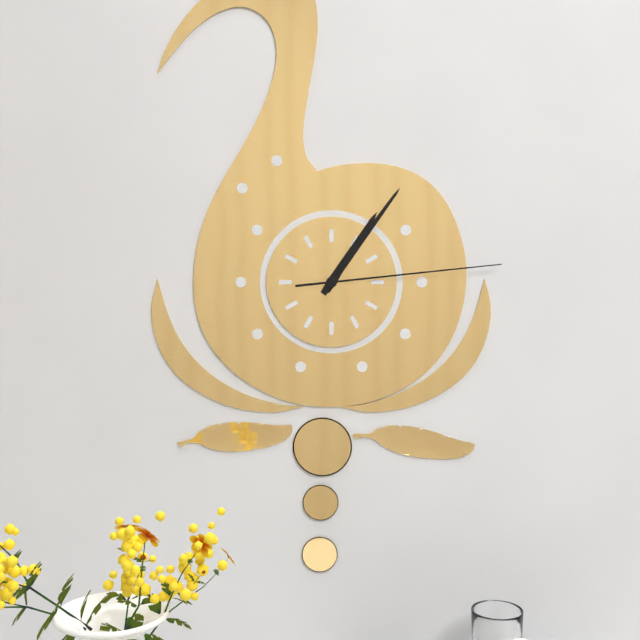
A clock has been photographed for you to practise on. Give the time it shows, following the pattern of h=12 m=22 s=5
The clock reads h=1 m=6 s=14
